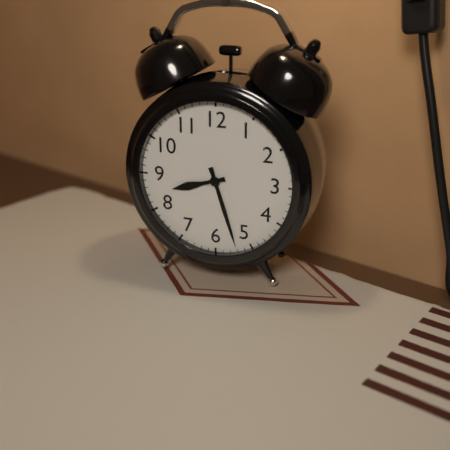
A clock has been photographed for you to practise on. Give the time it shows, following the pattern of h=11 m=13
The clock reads h=8 m=27
